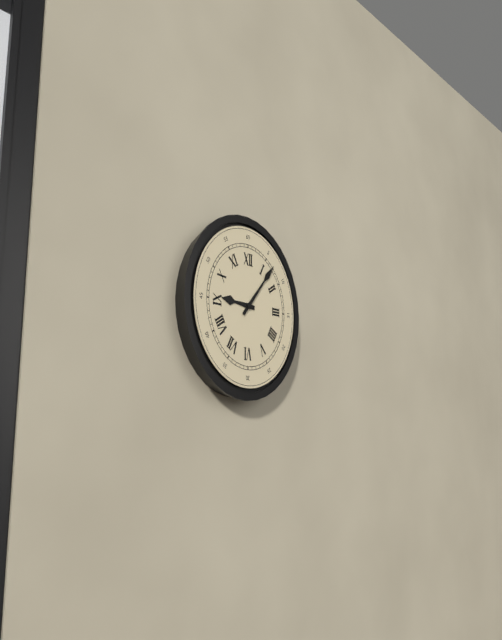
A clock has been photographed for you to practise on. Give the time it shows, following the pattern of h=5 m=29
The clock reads h=9 m=7
